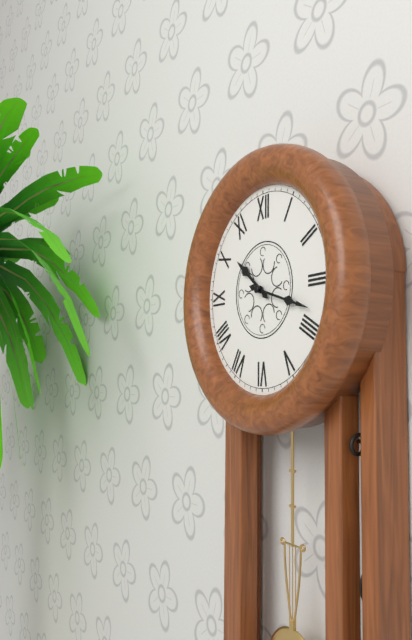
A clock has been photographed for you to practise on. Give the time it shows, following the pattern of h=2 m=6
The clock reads h=10 m=18
